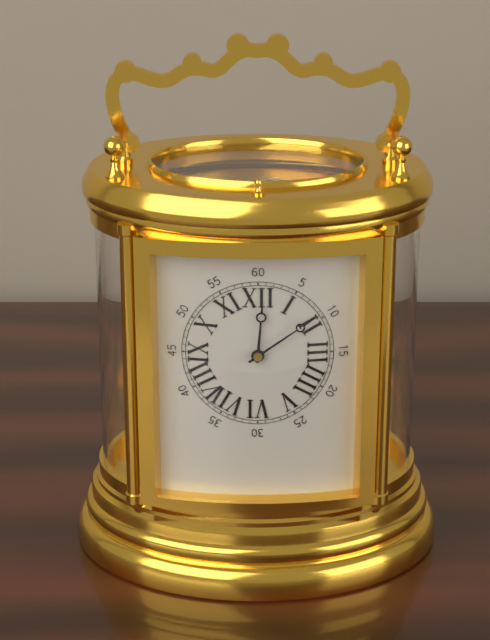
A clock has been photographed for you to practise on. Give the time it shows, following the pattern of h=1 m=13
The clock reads h=12 m=9
